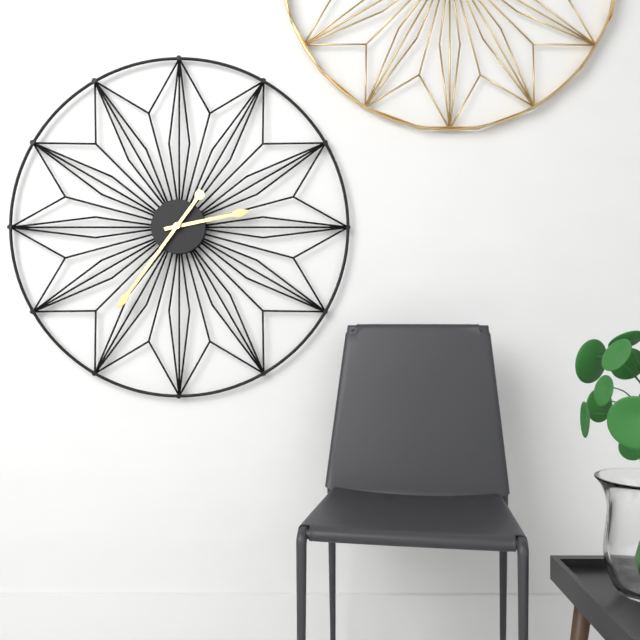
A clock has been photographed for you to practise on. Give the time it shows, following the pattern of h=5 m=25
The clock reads h=2 m=36
